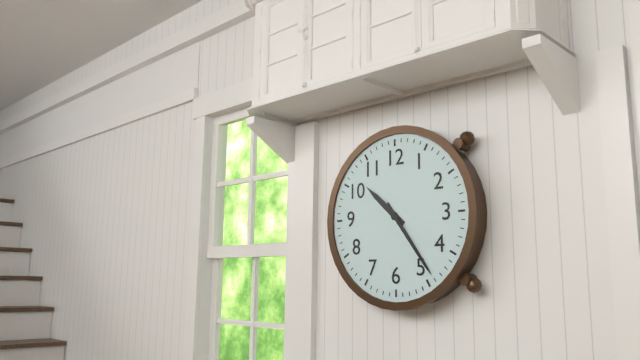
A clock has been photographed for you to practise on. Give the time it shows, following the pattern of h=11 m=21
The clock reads h=10 m=24
